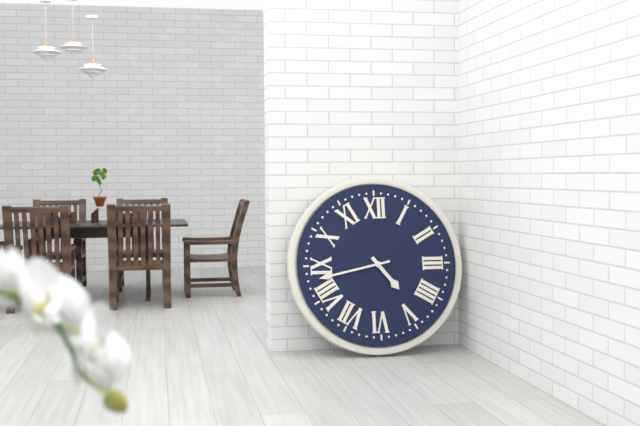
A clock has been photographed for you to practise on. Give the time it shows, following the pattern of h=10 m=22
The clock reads h=4 m=43
